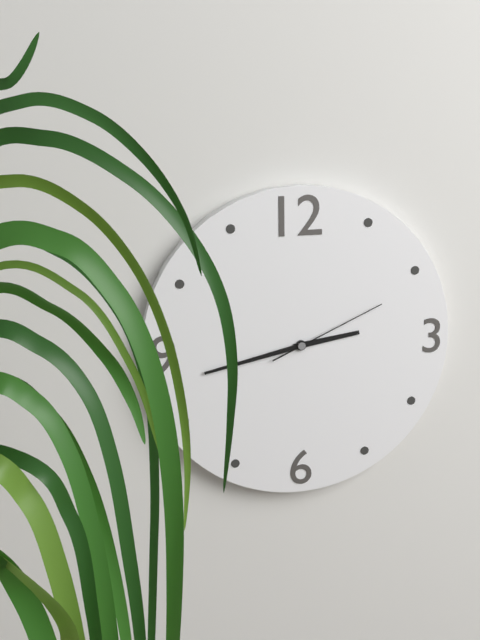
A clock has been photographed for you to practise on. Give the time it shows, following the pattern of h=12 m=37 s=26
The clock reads h=2 m=43 s=11
